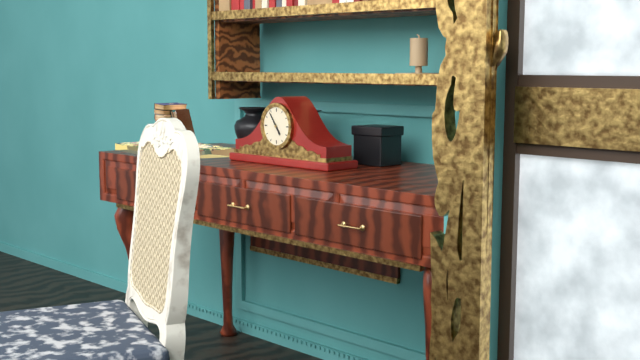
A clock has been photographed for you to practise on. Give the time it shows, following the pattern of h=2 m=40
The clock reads h=4 m=54
